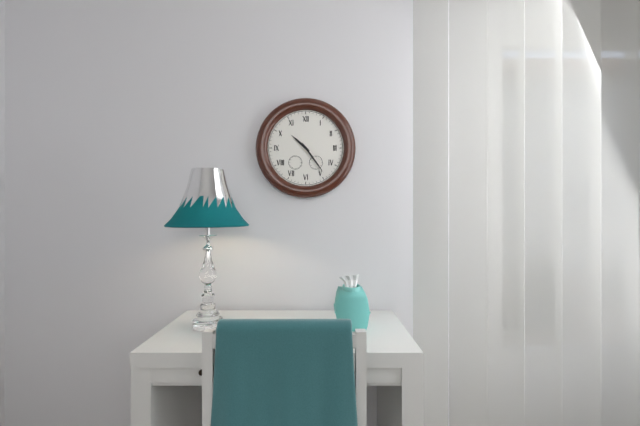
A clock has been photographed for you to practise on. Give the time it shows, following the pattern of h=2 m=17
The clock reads h=10 m=24
